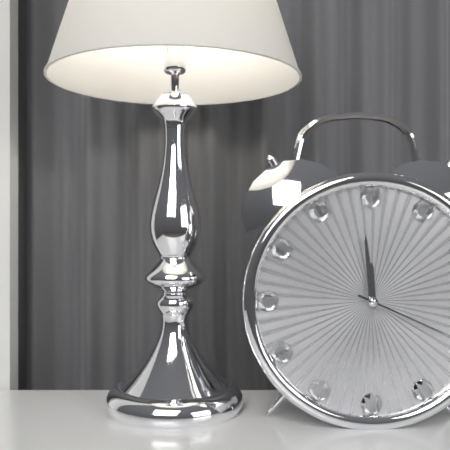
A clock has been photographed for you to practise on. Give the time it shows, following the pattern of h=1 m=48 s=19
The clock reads h=11 m=59 s=19
